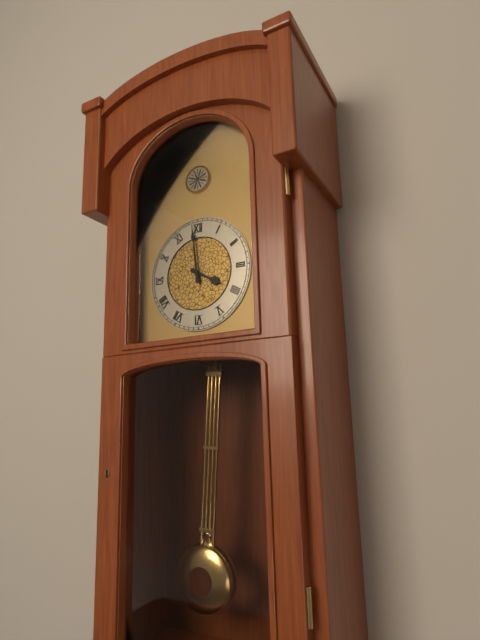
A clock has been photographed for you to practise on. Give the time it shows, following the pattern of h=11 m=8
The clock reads h=3 m=59
